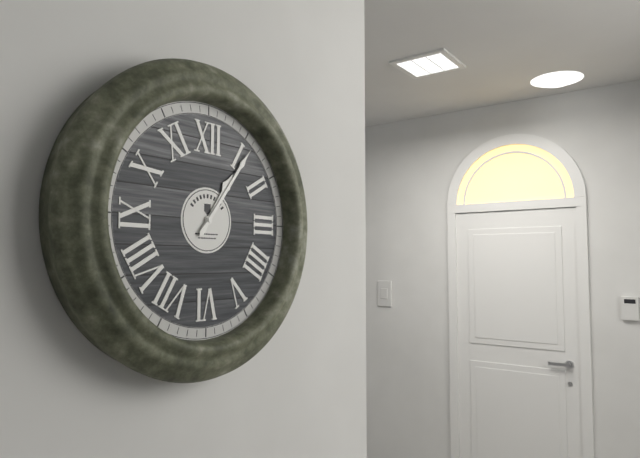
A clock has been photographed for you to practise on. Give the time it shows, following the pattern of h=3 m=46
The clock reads h=1 m=6
